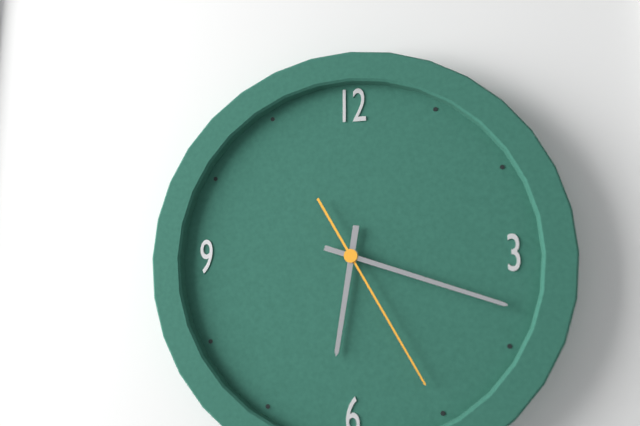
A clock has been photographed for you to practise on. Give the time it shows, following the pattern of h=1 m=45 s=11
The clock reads h=6 m=18 s=25
